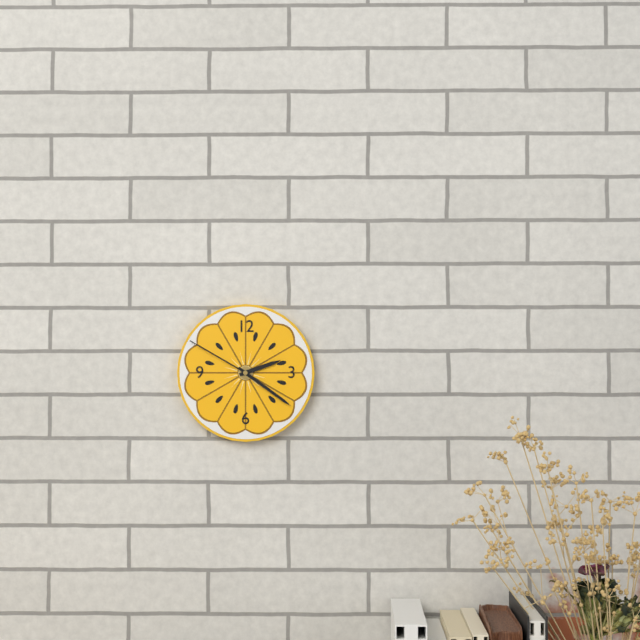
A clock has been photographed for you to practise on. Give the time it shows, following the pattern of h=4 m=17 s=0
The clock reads h=2 m=21 s=50
